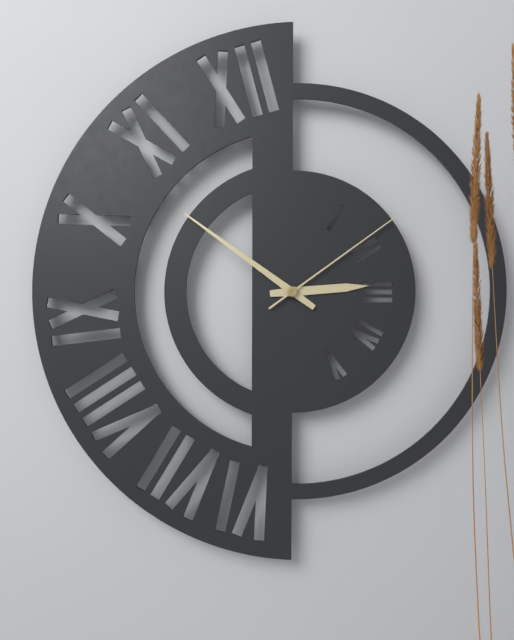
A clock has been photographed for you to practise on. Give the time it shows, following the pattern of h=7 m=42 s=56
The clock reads h=2 m=51 s=9
